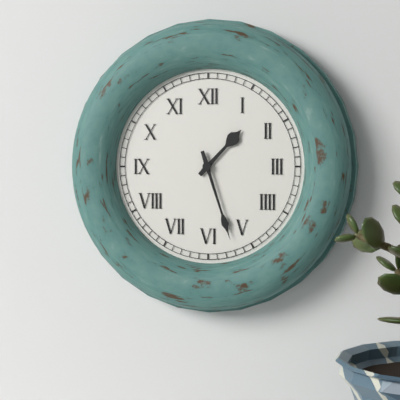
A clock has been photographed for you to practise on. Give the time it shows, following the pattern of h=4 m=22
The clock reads h=1 m=27
